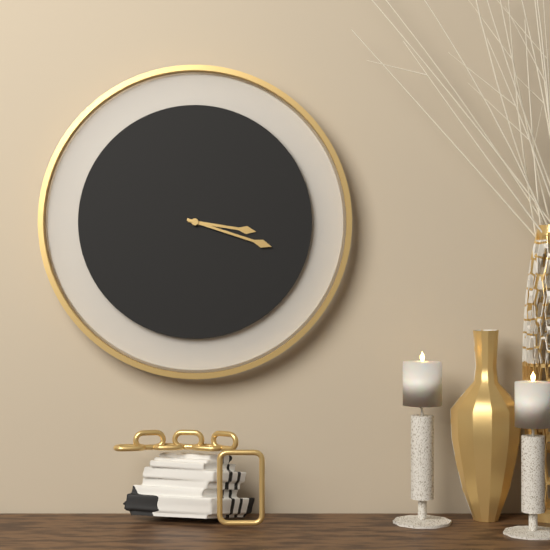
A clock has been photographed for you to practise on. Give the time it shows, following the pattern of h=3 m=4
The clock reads h=3 m=18
